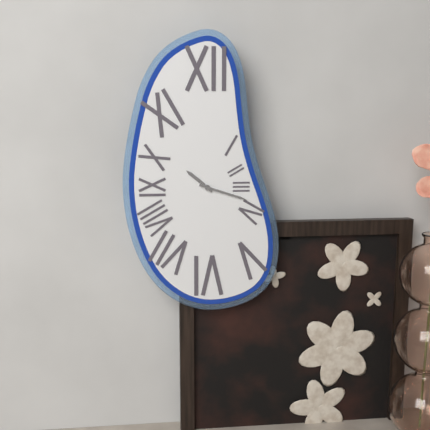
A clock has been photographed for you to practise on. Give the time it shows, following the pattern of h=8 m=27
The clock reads h=10 m=18
